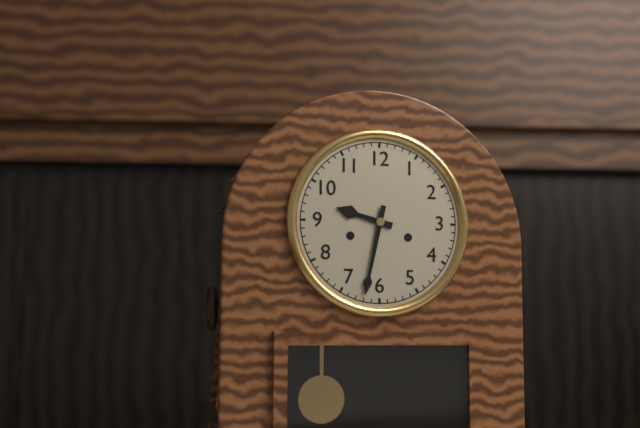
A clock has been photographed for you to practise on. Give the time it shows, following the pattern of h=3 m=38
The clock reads h=9 m=32
